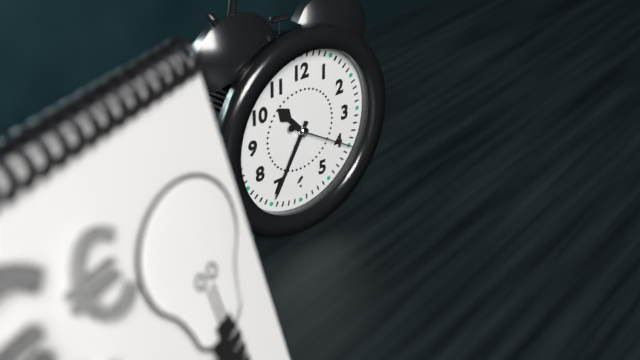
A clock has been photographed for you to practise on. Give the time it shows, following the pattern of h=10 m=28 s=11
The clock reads h=10 m=35 s=20
